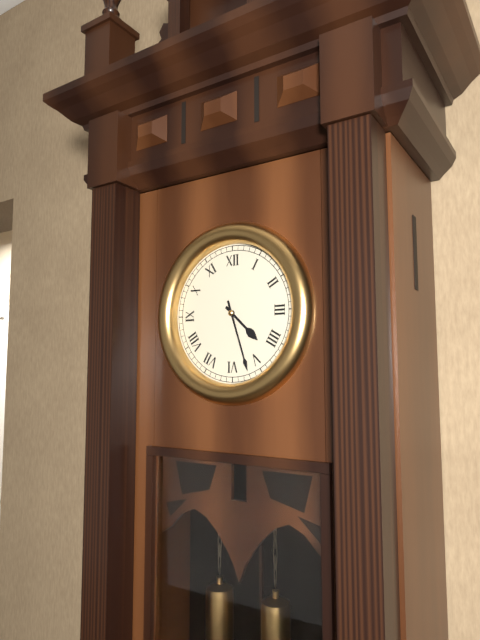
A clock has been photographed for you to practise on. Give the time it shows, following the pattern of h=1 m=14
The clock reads h=4 m=27
